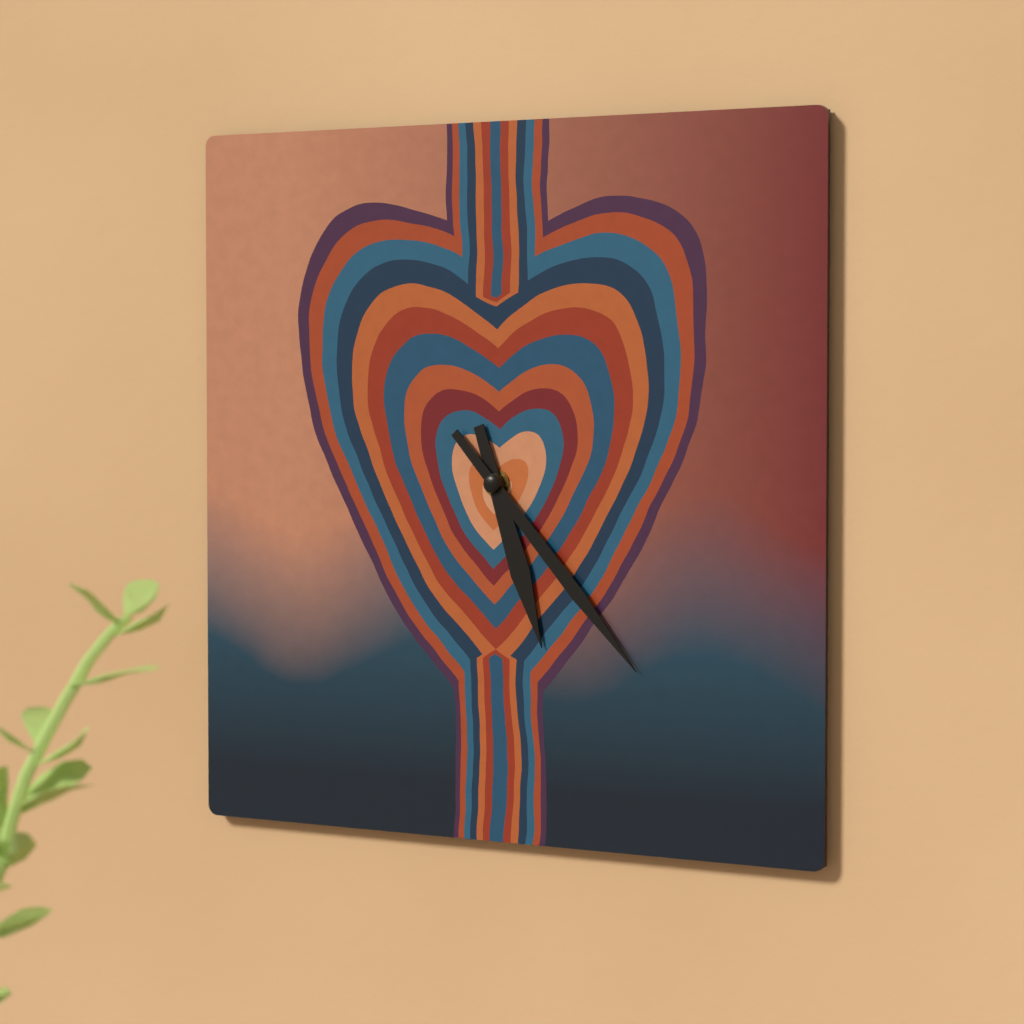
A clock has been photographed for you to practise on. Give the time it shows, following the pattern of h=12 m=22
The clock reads h=5 m=23
